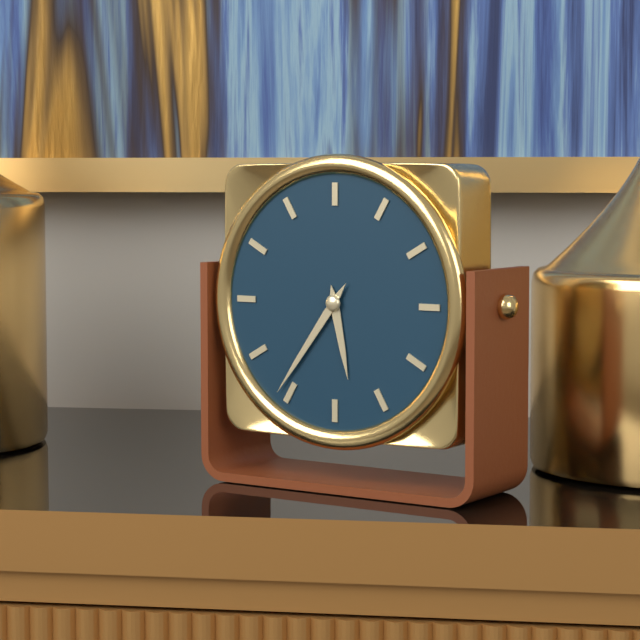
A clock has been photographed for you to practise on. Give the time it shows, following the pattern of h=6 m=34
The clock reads h=5 m=36
